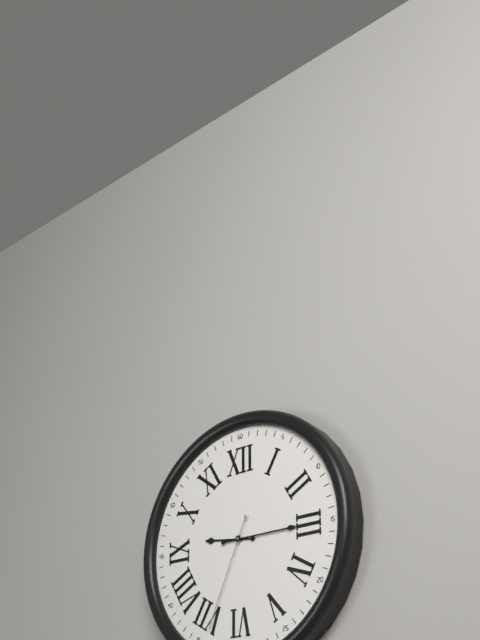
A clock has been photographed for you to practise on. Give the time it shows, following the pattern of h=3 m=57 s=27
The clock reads h=9 m=15 s=34
